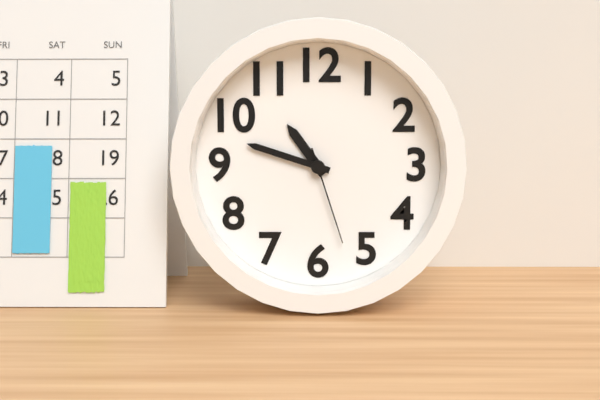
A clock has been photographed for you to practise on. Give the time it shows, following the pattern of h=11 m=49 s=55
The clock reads h=10 m=48 s=27
